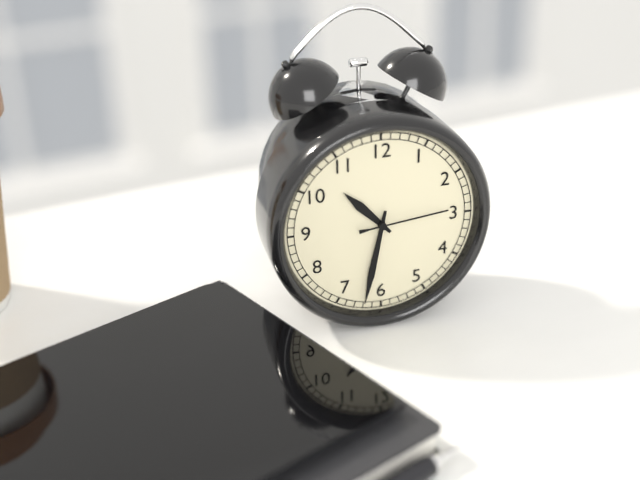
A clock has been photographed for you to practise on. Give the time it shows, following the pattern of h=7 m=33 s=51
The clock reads h=10 m=32 s=14
